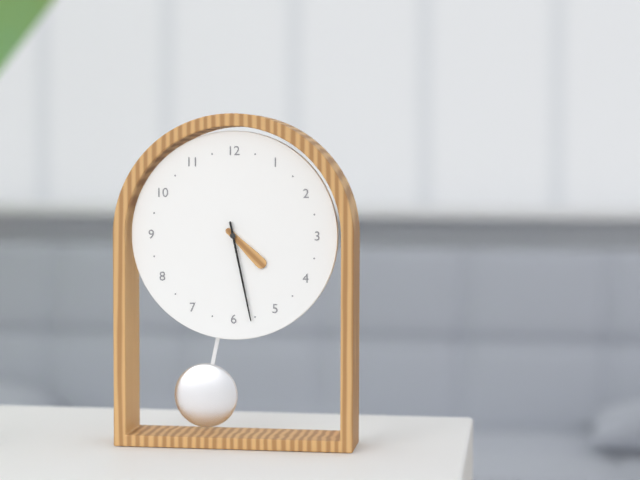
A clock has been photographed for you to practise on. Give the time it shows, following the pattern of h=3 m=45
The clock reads h=4 m=28
